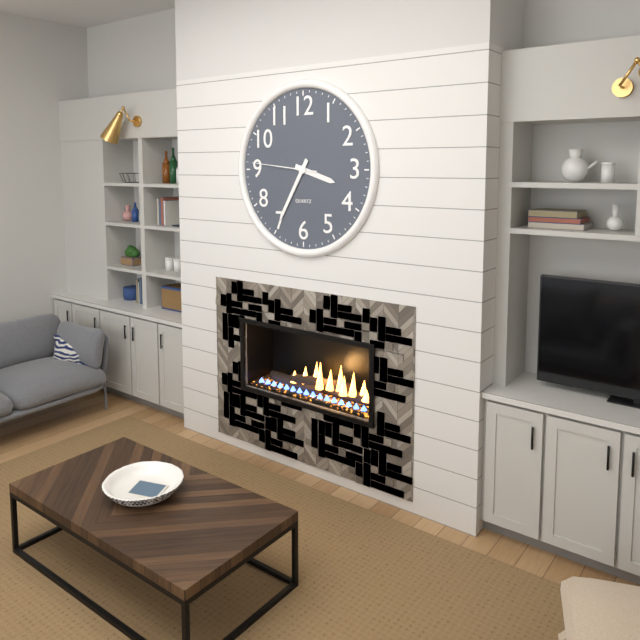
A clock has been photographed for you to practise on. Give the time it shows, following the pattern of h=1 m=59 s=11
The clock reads h=3 m=35 s=46
